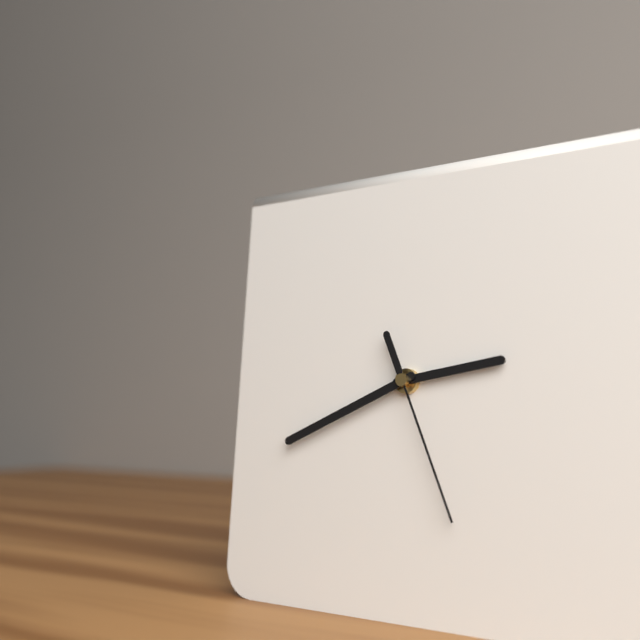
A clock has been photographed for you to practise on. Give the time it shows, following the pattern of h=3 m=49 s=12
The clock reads h=2 m=41 s=26
